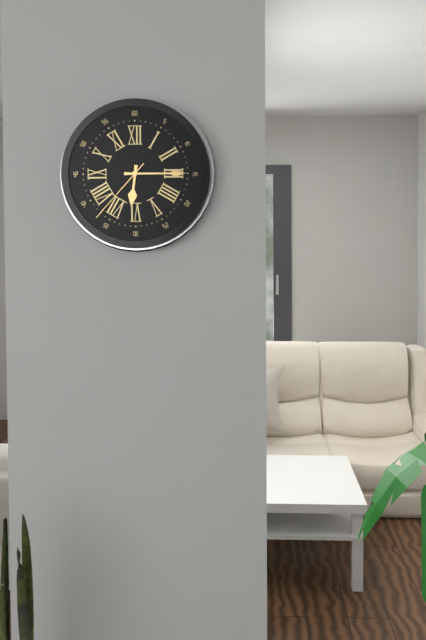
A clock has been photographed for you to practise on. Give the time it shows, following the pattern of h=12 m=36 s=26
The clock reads h=6 m=15 s=37
